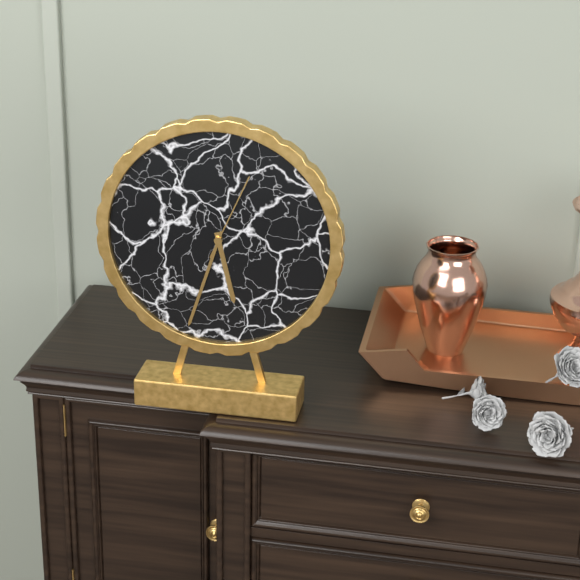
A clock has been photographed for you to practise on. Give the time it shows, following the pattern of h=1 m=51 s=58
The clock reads h=5 m=33 s=4
